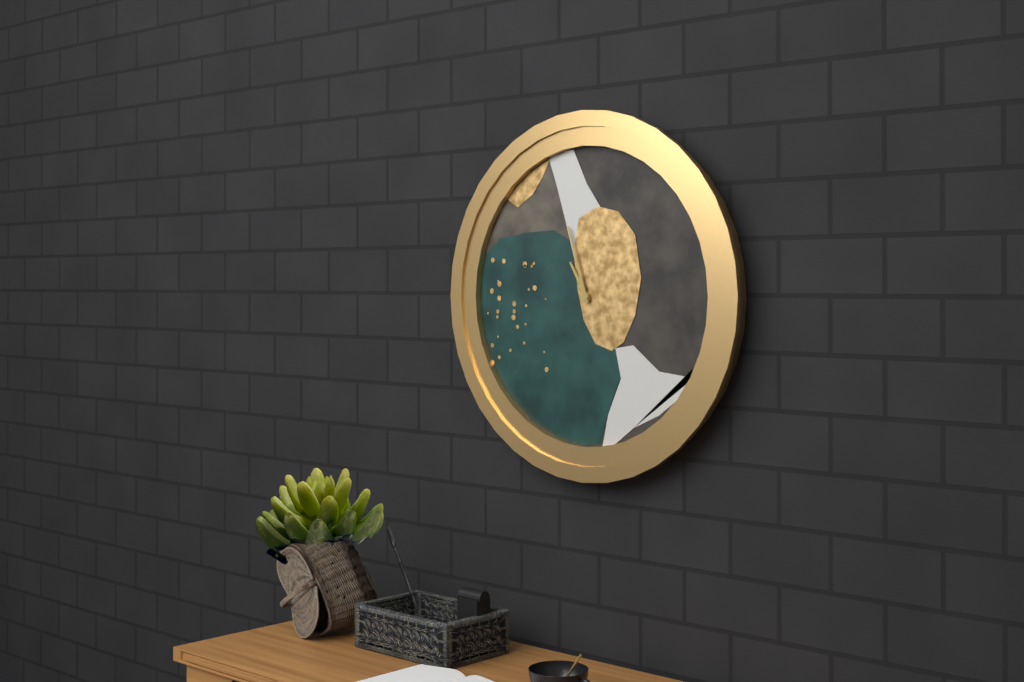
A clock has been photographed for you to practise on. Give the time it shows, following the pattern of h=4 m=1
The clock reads h=10 m=57
